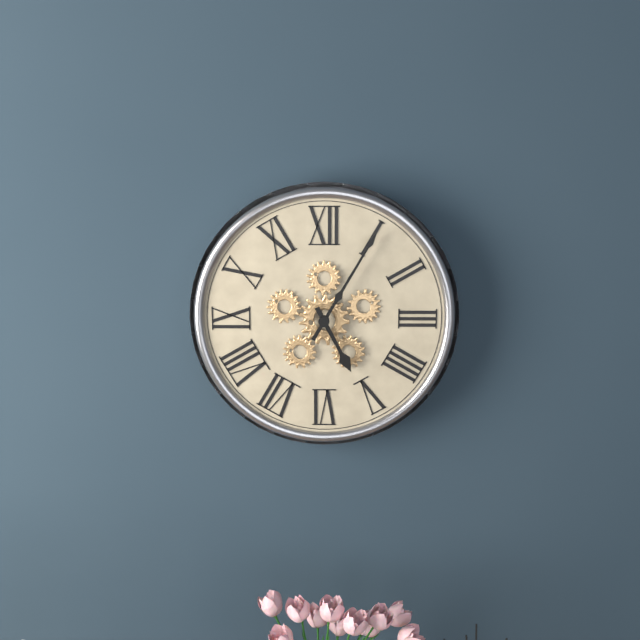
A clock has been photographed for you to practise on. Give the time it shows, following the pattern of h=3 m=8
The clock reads h=5 m=5
